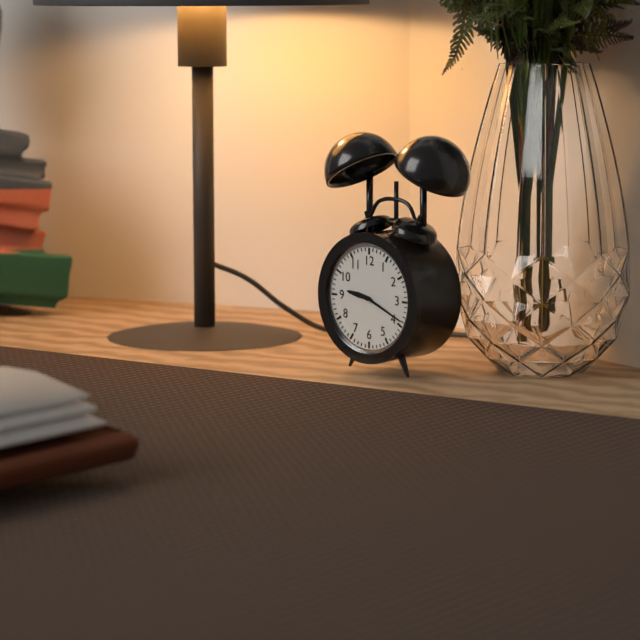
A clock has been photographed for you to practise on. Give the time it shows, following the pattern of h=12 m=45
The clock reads h=9 m=19
